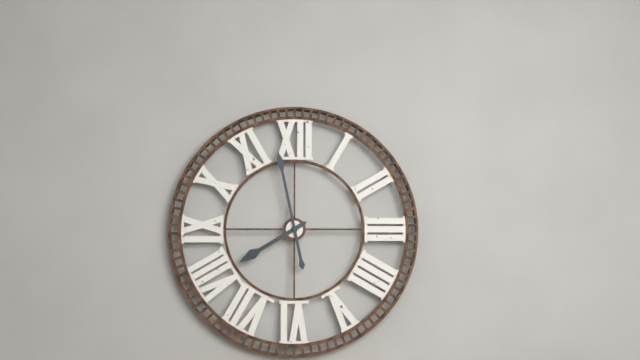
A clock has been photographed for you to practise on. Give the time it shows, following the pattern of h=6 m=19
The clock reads h=7 m=58
